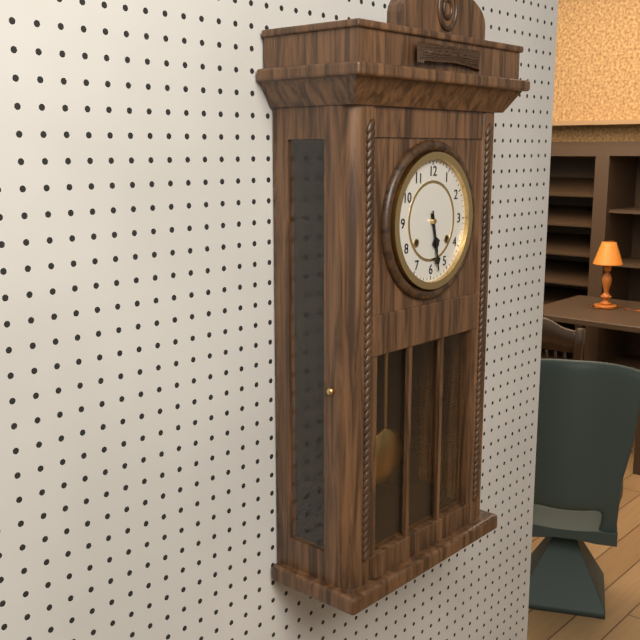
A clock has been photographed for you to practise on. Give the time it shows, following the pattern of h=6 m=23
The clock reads h=5 m=28
